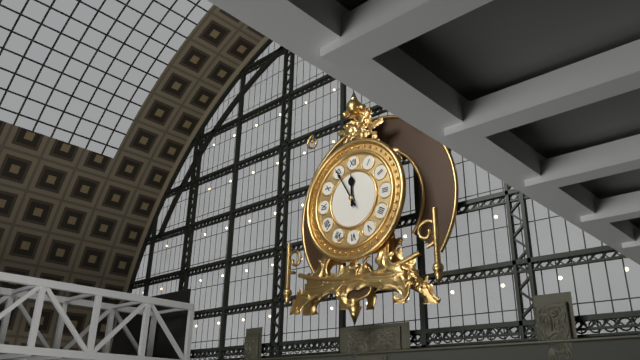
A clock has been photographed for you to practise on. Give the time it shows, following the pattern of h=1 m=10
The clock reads h=11 m=55
